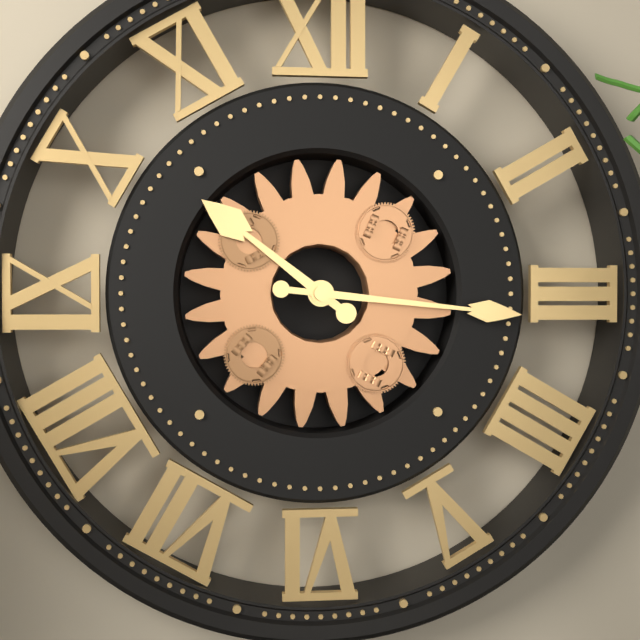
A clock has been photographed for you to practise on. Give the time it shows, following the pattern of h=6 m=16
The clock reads h=10 m=16
